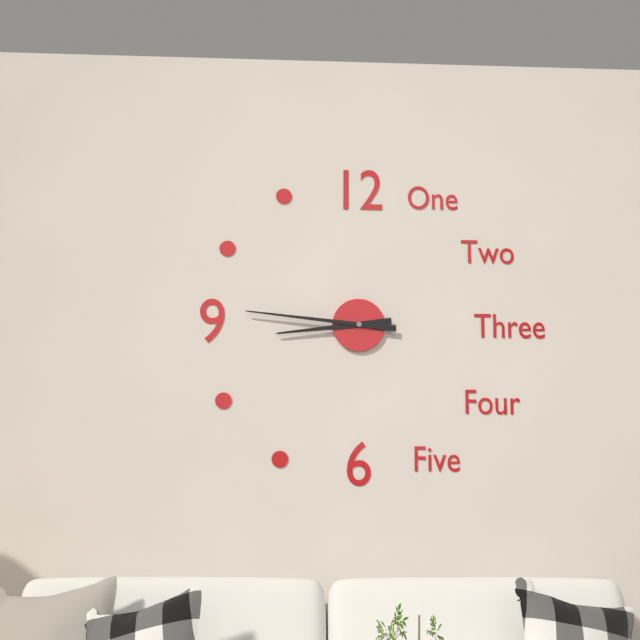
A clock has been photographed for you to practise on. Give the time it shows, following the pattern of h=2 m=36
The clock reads h=8 m=46
